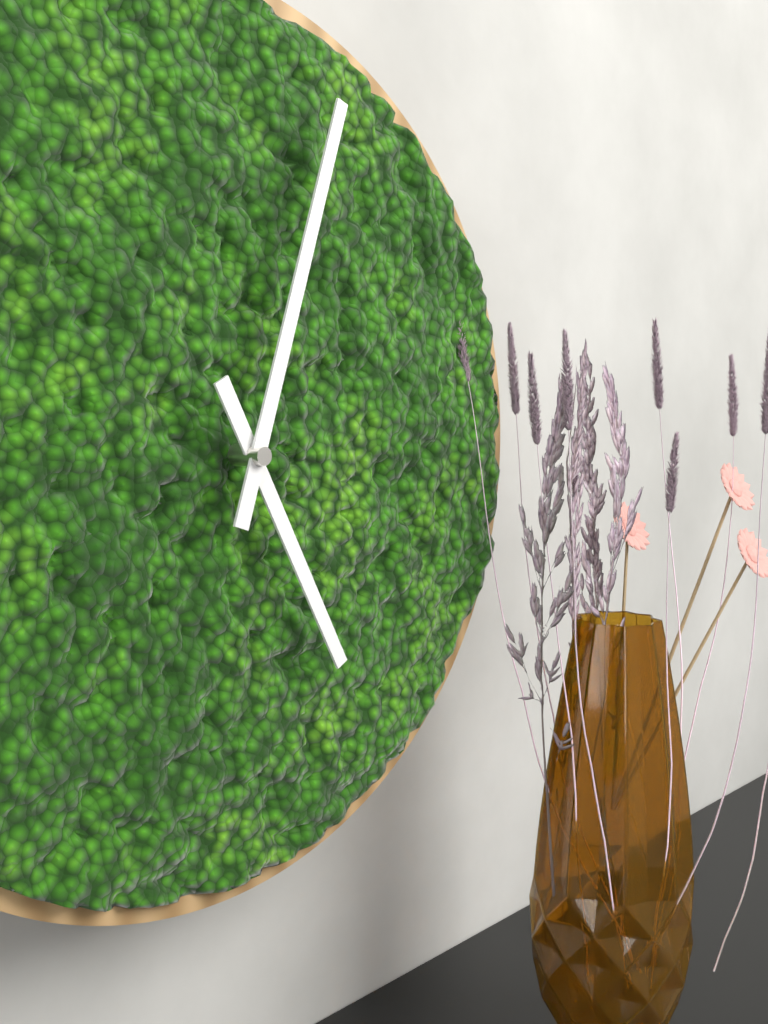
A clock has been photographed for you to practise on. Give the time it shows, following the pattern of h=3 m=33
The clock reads h=5 m=3
